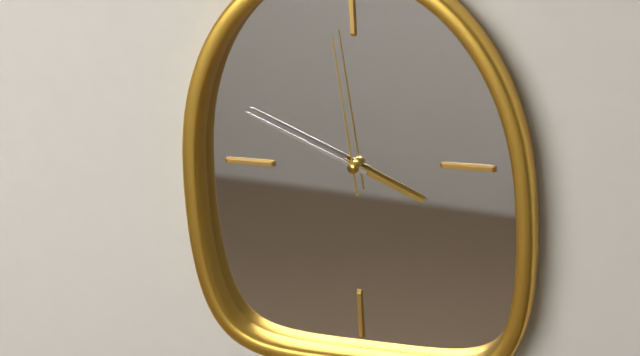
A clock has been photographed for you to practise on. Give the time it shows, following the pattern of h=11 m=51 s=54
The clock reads h=3 m=49 s=59
